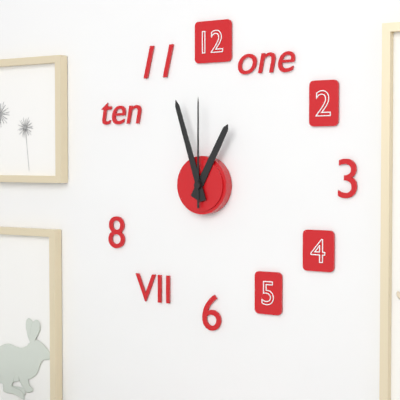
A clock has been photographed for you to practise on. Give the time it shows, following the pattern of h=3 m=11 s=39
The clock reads h=12 m=57 s=0
